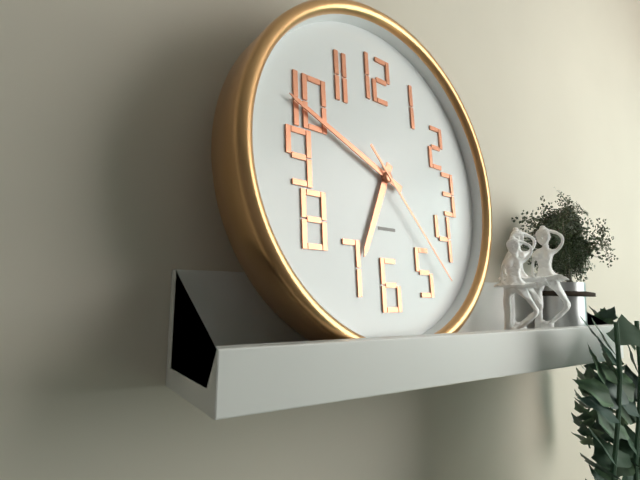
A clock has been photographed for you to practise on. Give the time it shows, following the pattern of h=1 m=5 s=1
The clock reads h=6 m=49 s=23
